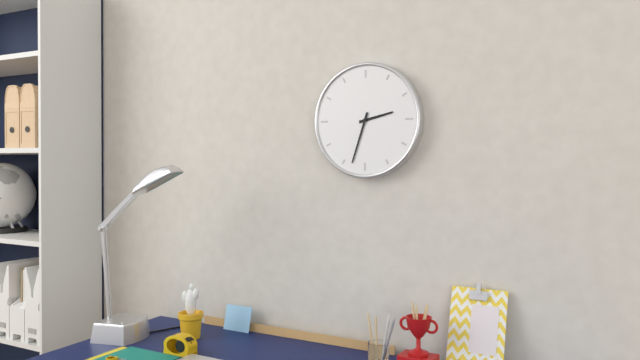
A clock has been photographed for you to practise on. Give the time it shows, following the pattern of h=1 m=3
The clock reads h=2 m=33
